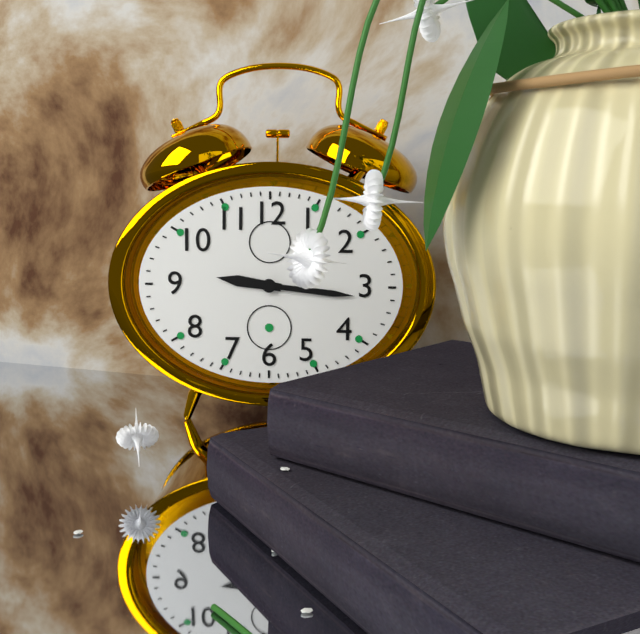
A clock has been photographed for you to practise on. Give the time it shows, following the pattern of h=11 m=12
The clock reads h=9 m=16
